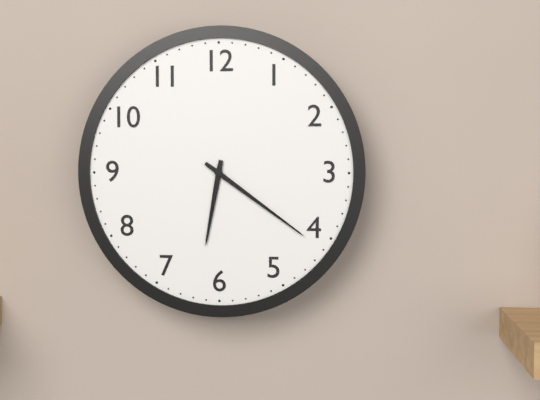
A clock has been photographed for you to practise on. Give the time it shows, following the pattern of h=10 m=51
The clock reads h=6 m=21
